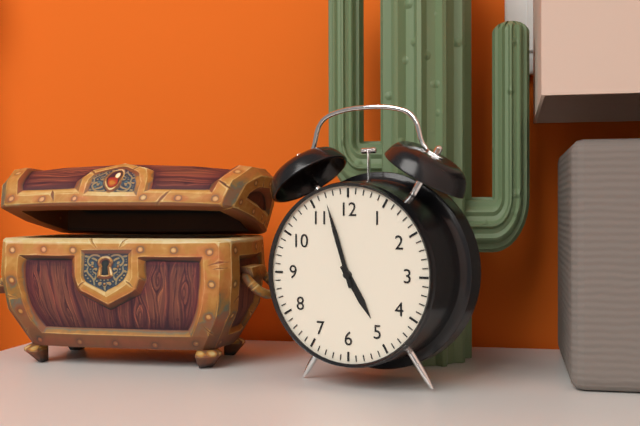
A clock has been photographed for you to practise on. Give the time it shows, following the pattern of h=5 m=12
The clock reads h=4 m=57
